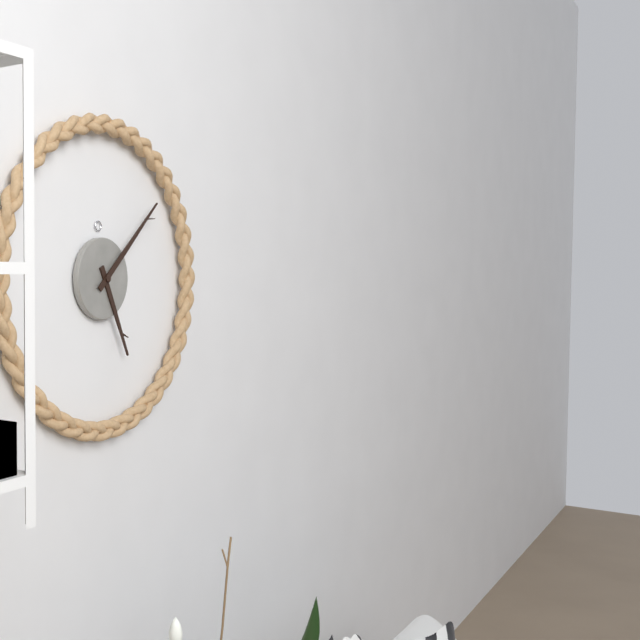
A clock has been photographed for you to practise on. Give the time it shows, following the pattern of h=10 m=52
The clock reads h=5 m=8
